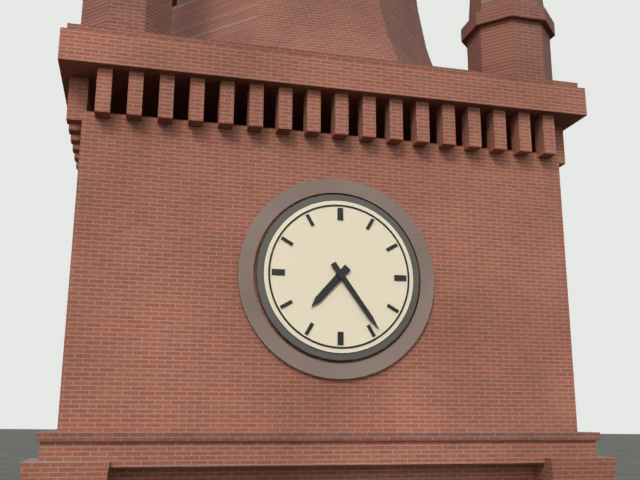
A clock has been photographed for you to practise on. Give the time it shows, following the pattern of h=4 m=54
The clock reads h=7 m=24
